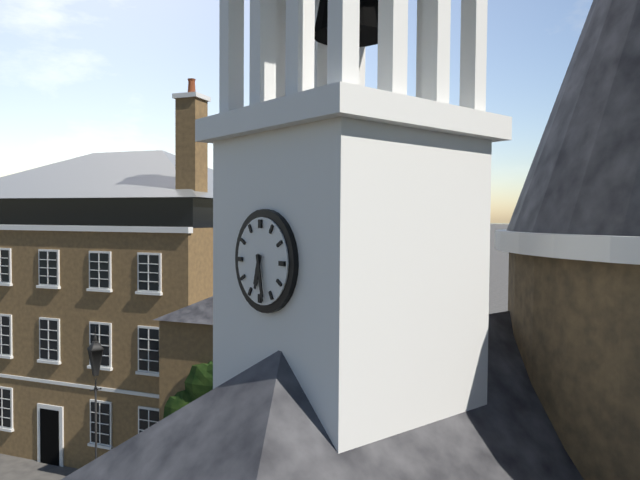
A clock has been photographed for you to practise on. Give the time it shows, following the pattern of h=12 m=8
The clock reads h=6 m=28
